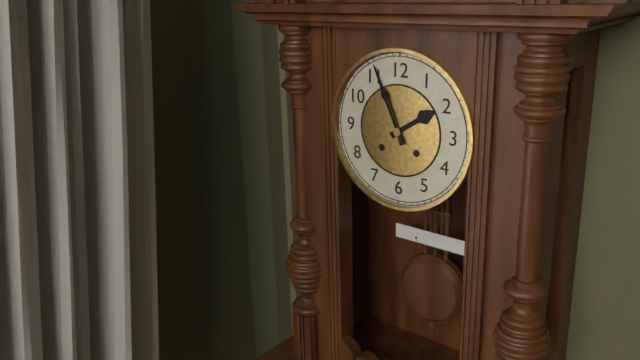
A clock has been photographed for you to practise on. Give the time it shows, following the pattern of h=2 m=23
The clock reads h=1 m=56
